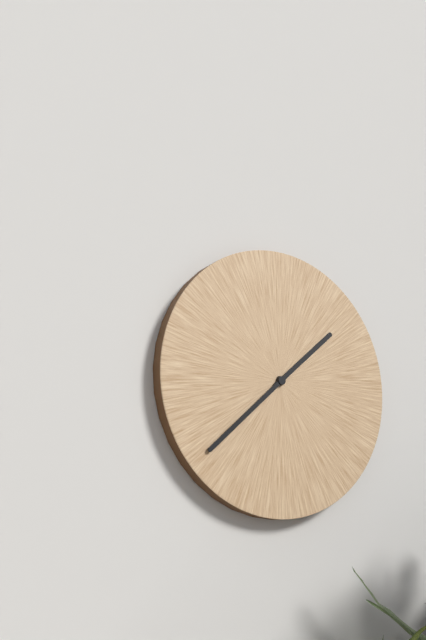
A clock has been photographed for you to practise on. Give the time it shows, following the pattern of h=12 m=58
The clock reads h=1 m=38
